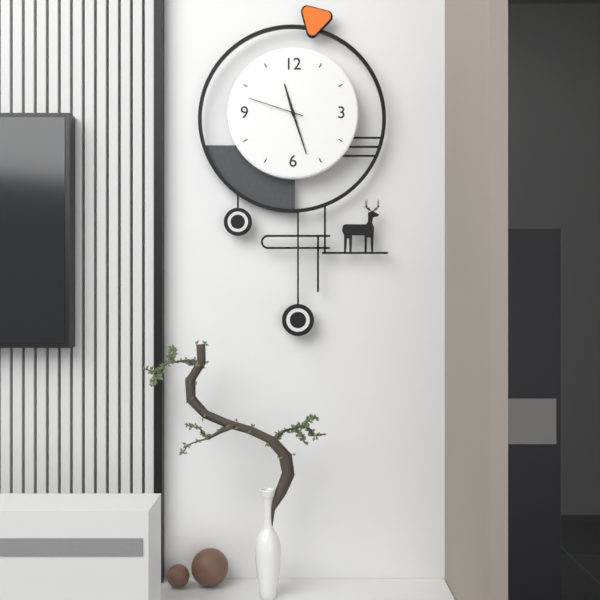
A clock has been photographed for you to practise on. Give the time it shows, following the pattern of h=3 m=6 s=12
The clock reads h=11 m=27 s=48
